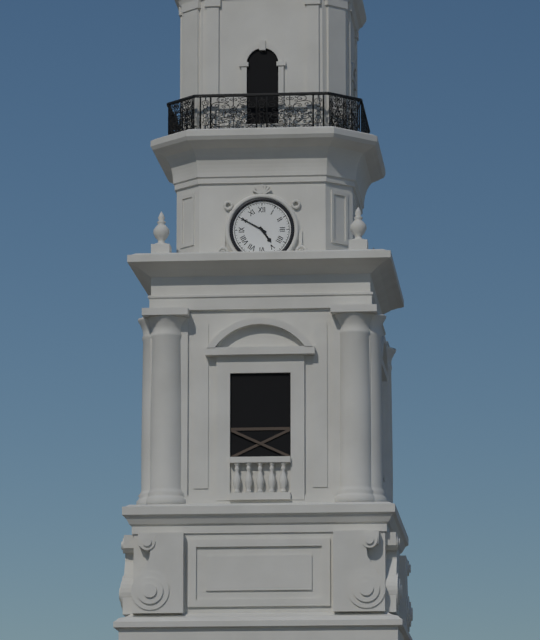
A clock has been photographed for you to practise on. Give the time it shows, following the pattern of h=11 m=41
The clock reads h=4 m=50
